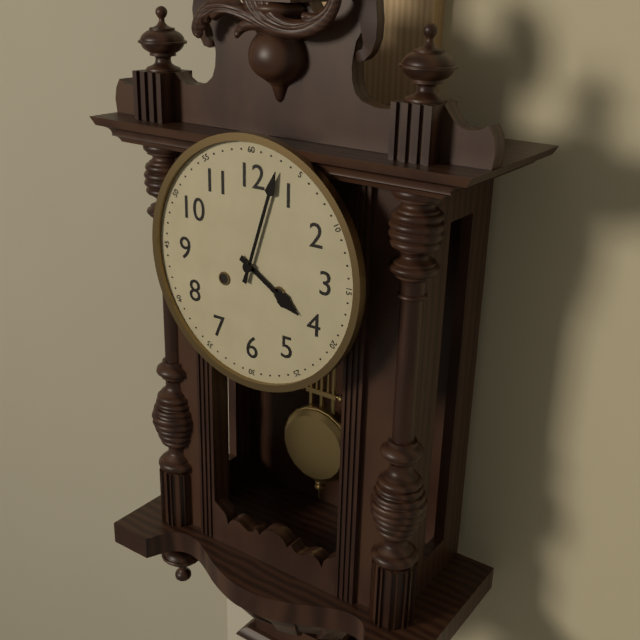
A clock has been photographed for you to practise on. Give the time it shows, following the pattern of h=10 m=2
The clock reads h=4 m=3
